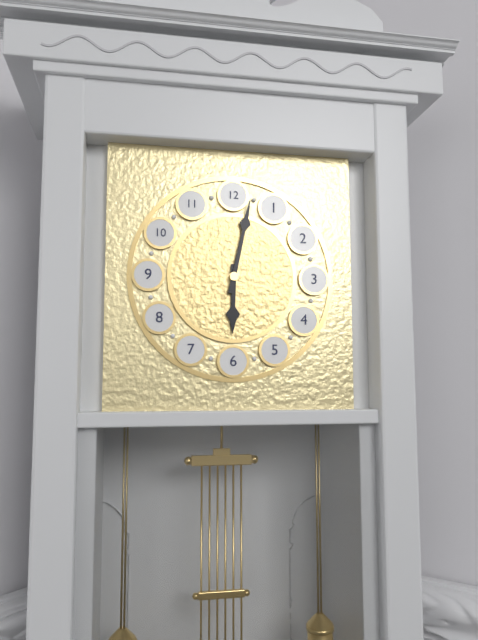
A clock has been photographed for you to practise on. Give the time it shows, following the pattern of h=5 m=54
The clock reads h=6 m=2
